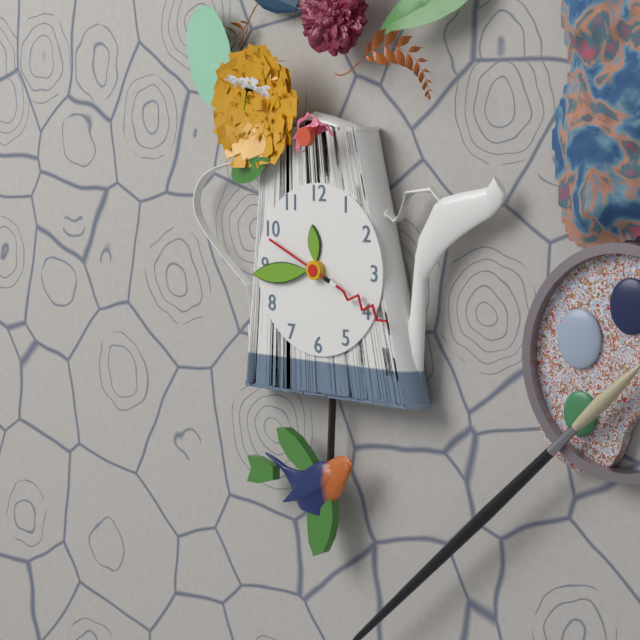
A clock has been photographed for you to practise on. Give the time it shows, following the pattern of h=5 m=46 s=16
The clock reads h=11 m=44 s=19
